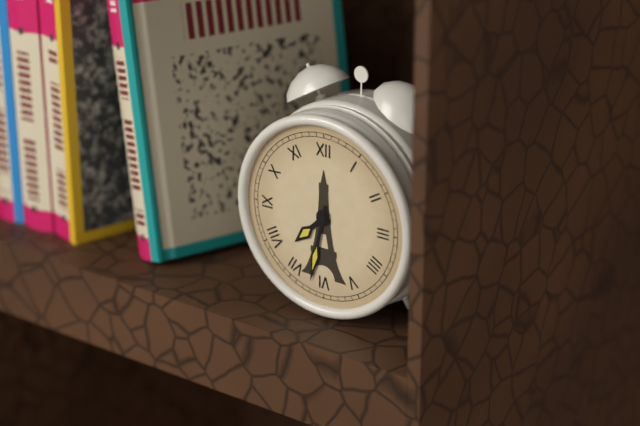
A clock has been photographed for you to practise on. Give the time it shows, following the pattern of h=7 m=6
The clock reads h=7 m=32
